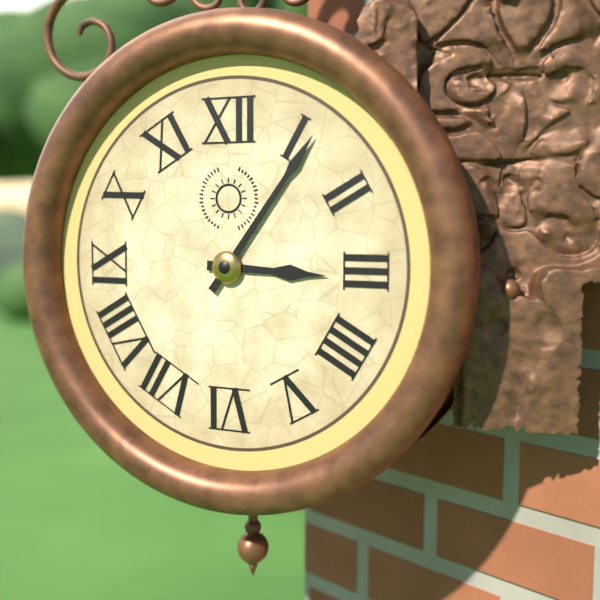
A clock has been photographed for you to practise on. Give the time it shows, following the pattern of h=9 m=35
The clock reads h=3 m=6
